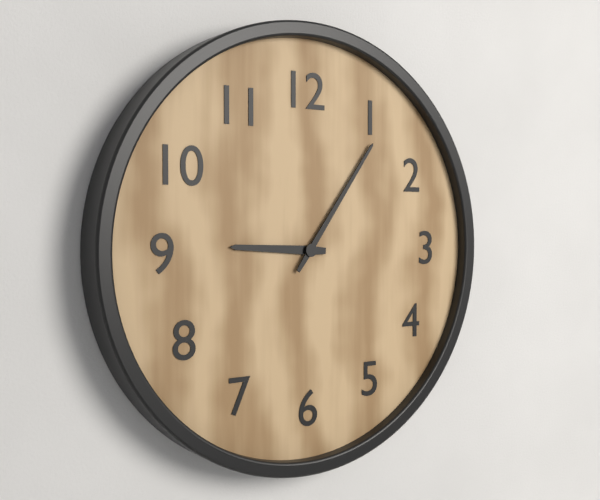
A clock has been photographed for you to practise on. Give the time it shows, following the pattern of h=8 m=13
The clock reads h=9 m=6
